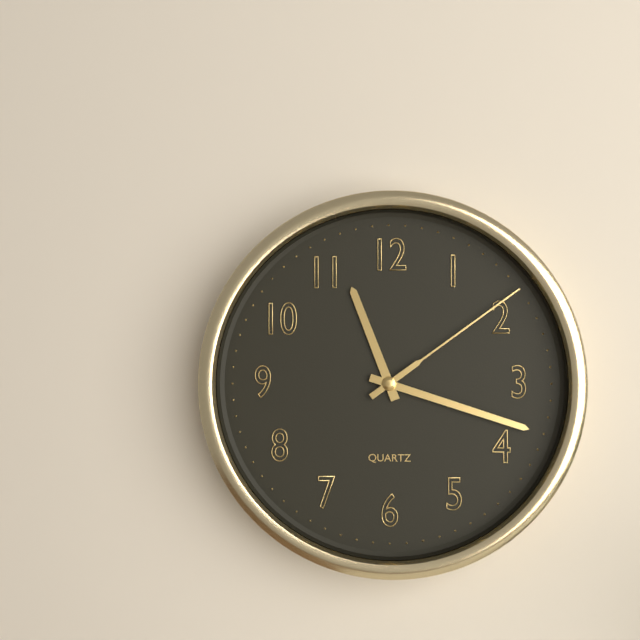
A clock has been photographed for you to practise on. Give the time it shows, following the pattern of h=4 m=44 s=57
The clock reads h=11 m=18 s=9
